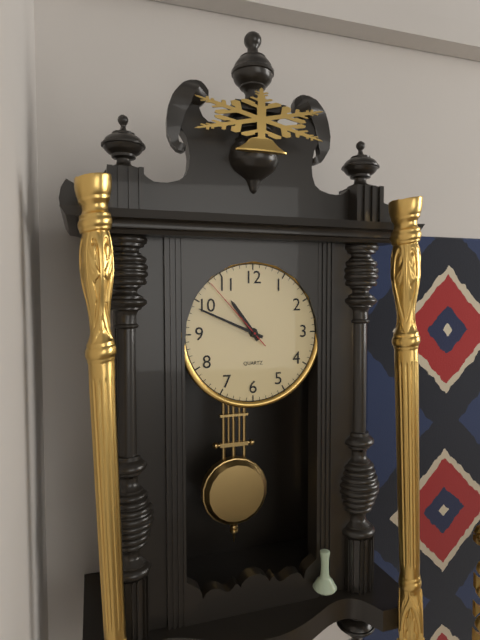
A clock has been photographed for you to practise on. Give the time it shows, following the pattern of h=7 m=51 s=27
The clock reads h=10 m=49 s=53
